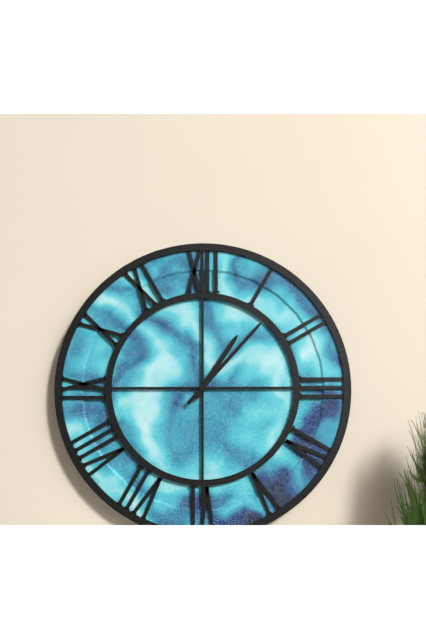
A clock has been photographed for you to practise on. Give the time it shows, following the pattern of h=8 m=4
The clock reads h=1 m=7
